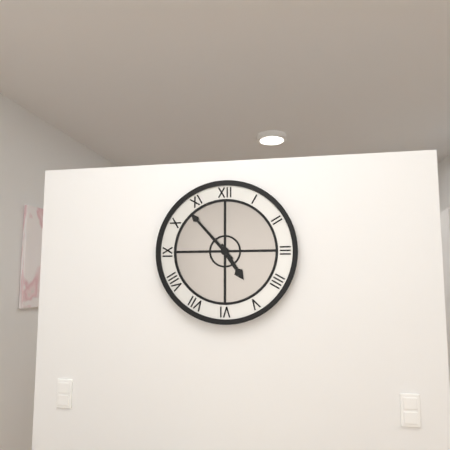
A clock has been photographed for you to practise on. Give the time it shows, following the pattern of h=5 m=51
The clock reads h=4 m=53
